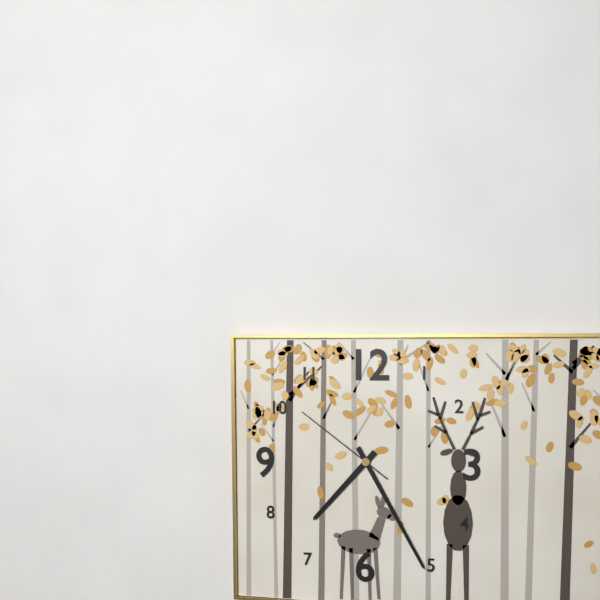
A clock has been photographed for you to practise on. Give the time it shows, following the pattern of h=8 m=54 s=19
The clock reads h=7 m=25 s=51
